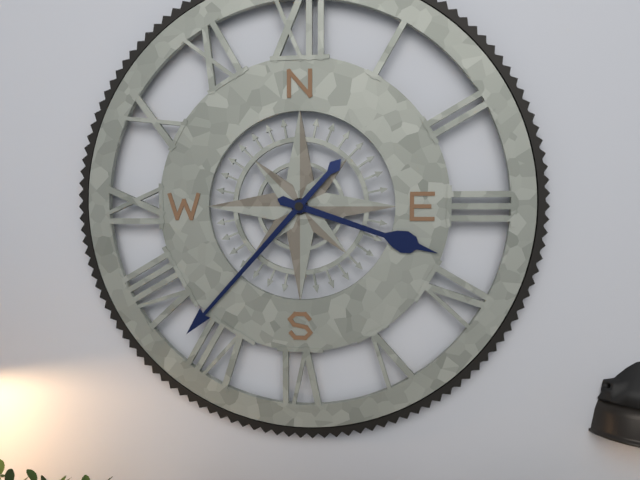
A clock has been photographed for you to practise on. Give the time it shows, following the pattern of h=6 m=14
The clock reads h=3 m=37
